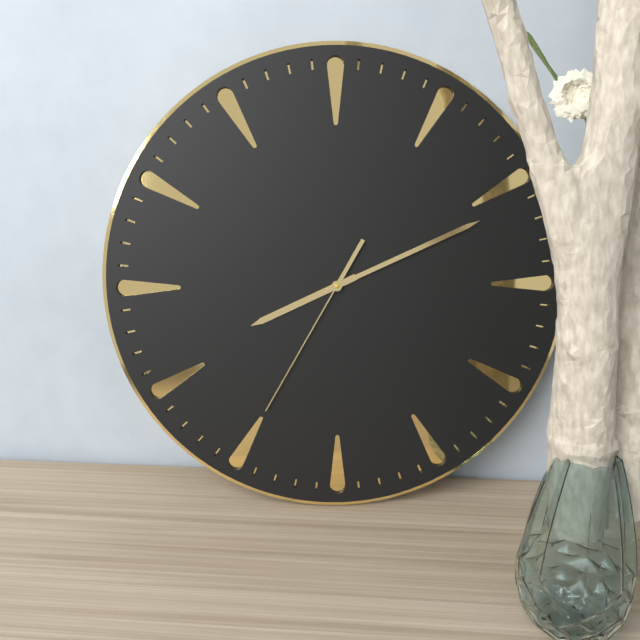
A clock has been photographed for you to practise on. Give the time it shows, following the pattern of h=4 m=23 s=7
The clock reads h=8 m=11 s=35
